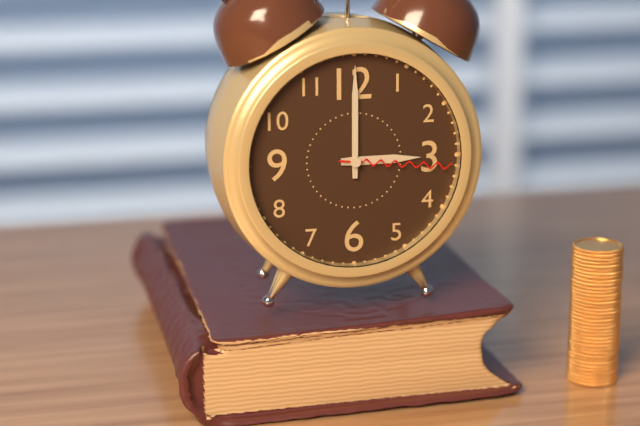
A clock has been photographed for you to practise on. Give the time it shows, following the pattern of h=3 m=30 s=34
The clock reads h=3 m=0 s=16
